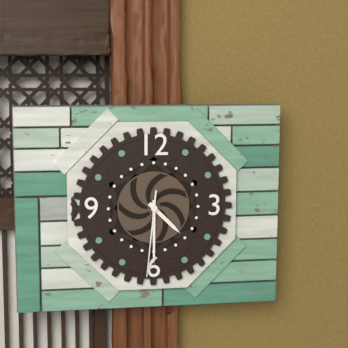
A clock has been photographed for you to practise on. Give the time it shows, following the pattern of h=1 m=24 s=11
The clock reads h=4 m=30 s=31
